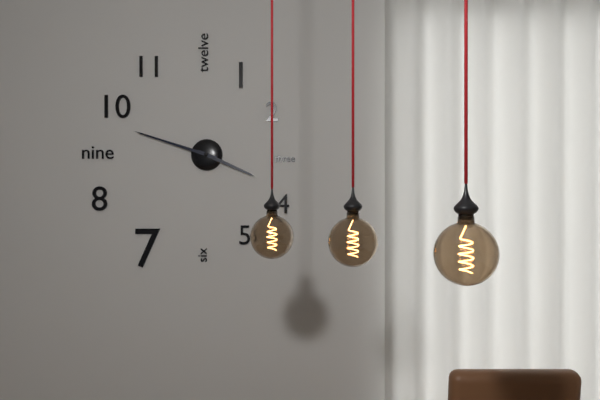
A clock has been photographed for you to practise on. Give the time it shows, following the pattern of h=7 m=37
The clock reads h=3 m=48
